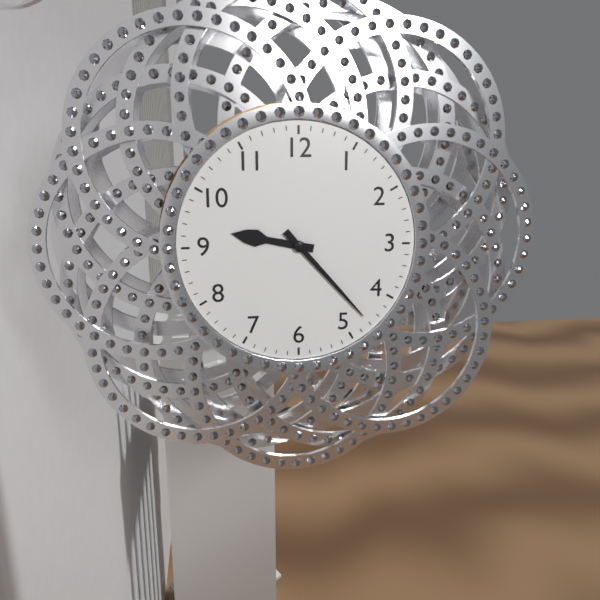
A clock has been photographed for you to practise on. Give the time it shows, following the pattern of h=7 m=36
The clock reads h=9 m=23
